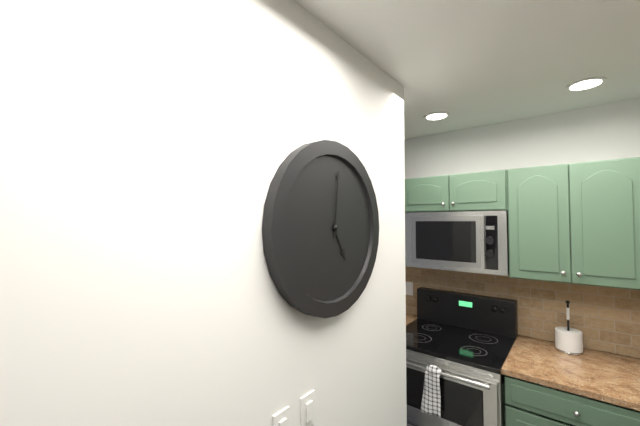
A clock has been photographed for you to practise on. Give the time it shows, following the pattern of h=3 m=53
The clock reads h=5 m=1
